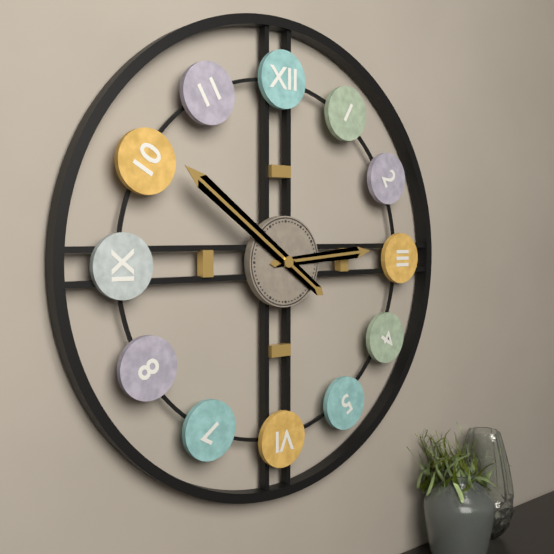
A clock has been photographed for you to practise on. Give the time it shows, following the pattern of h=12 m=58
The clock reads h=2 m=51
